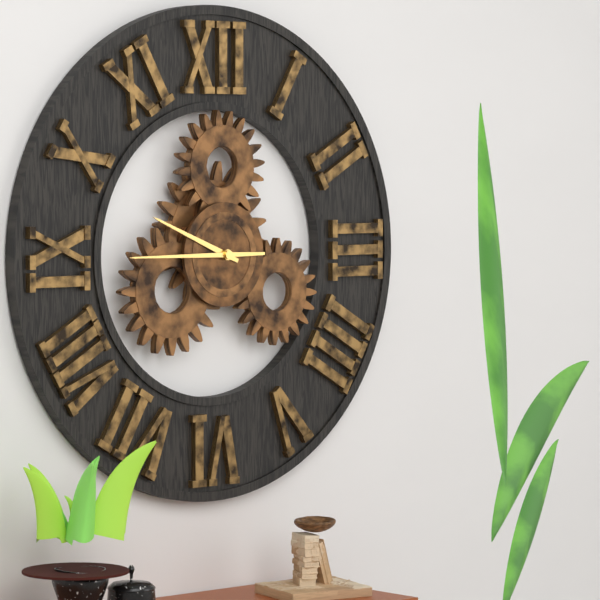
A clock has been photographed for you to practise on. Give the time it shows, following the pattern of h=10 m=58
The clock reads h=9 m=45
